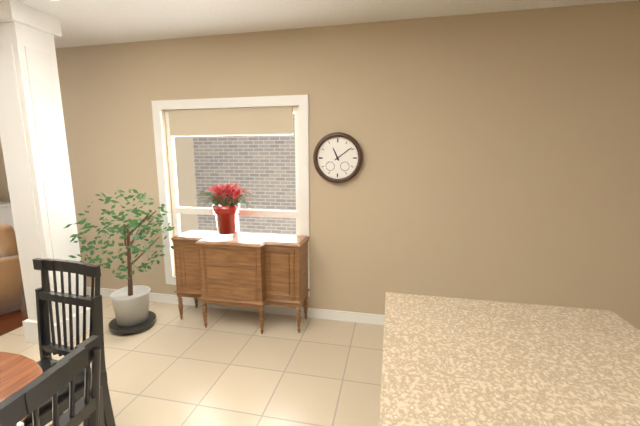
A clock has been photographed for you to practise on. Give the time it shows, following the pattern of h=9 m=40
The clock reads h=11 m=9
